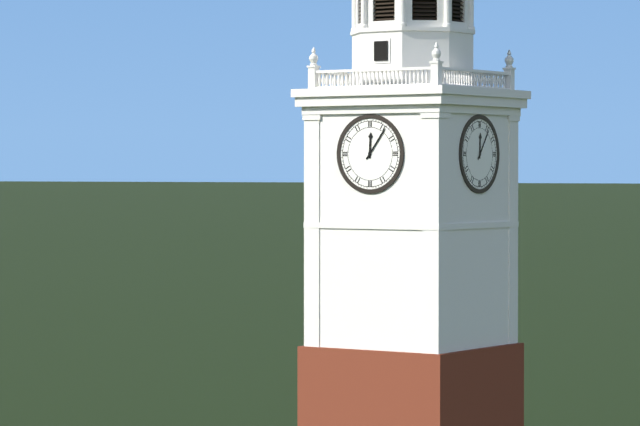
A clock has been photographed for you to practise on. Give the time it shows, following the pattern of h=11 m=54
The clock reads h=12 m=6
